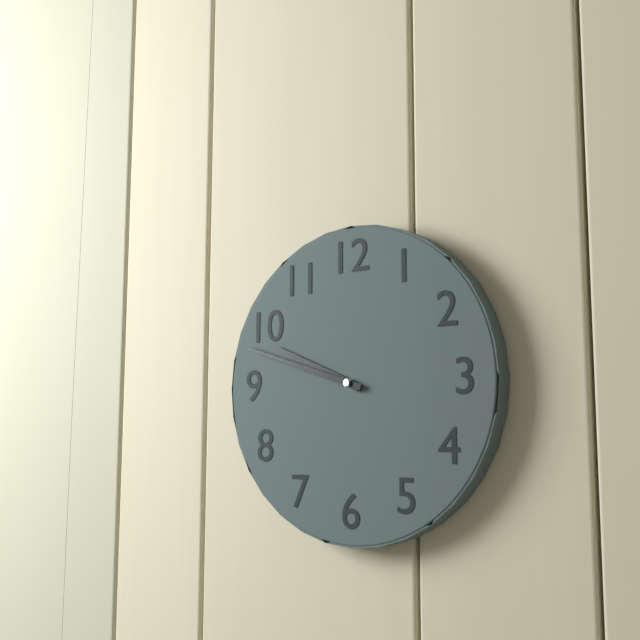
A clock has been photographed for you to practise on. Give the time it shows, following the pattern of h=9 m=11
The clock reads h=9 m=48
